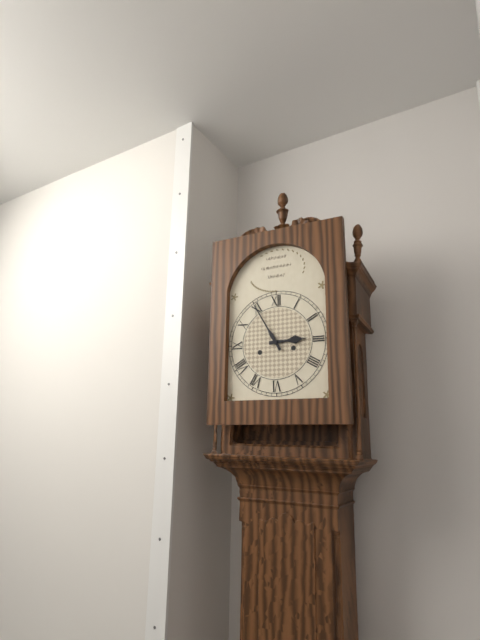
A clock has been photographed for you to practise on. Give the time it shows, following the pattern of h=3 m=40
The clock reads h=2 m=55
